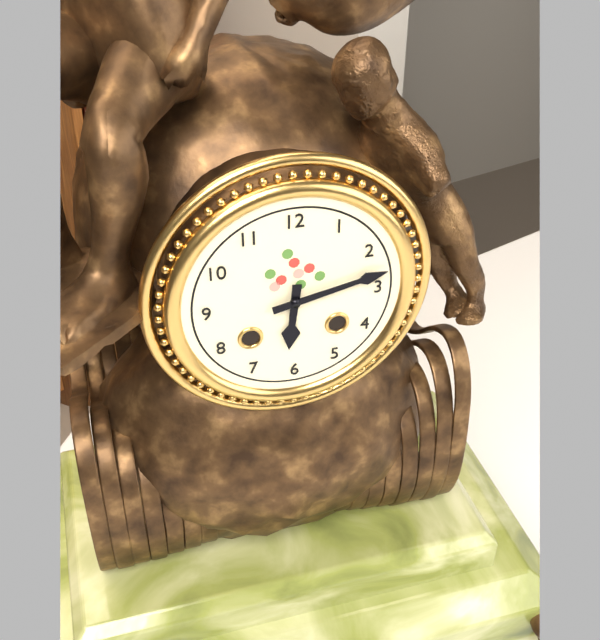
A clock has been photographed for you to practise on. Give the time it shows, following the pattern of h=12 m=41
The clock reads h=6 m=13
